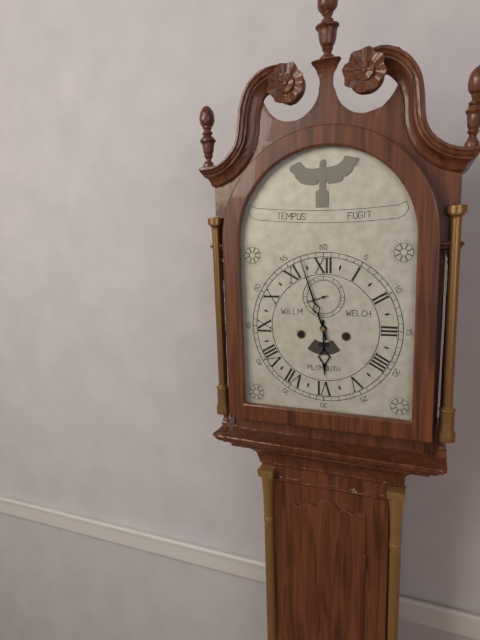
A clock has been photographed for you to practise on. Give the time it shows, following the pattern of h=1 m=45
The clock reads h=5 m=57
